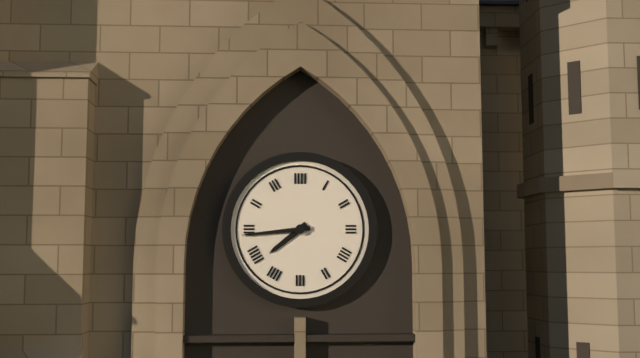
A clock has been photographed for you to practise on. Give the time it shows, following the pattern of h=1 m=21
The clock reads h=7 m=44
